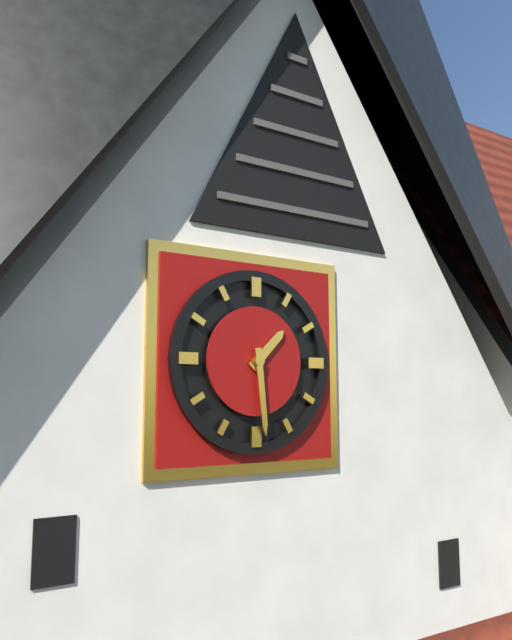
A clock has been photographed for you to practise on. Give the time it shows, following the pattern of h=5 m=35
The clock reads h=1 m=29
